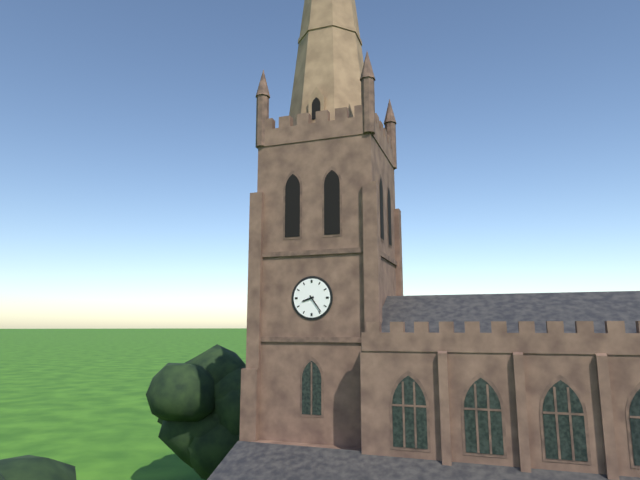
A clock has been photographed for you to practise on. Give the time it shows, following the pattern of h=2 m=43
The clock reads h=8 m=24
